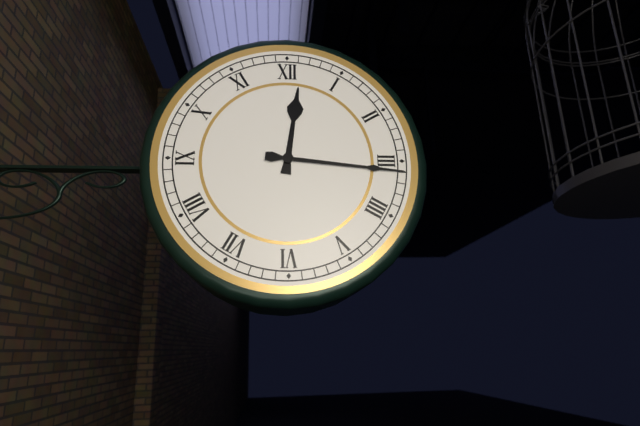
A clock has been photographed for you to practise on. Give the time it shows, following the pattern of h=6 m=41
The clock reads h=12 m=16
